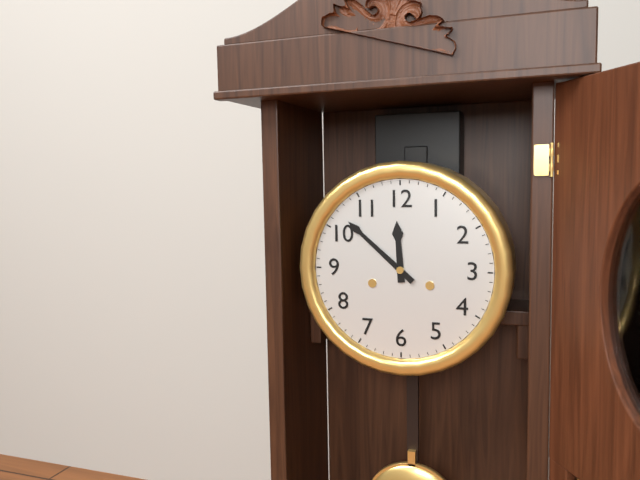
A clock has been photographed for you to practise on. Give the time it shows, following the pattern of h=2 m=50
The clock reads h=11 m=52
